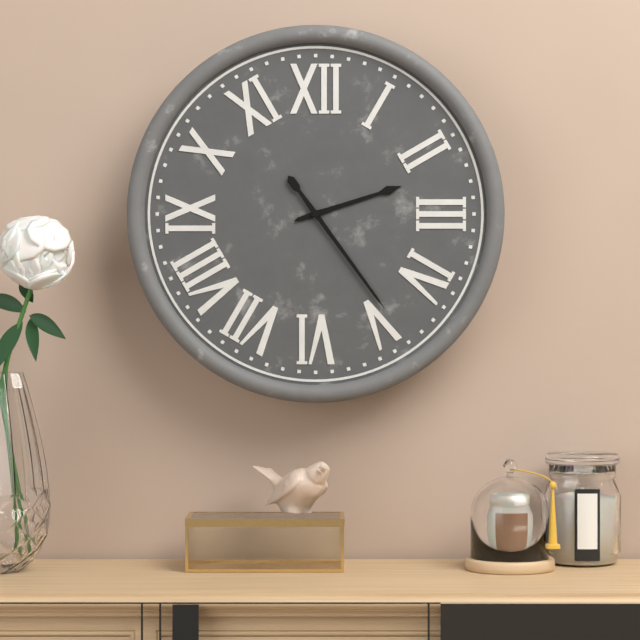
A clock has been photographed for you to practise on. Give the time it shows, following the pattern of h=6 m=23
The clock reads h=2 m=24
